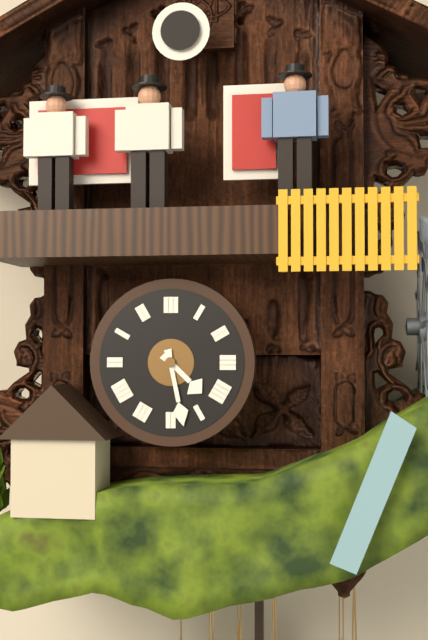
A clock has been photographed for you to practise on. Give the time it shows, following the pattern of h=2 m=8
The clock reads h=4 m=28
